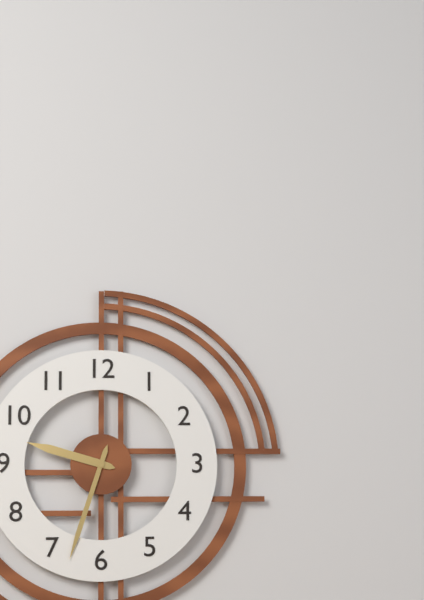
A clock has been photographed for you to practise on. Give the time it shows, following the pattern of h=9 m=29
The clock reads h=9 m=33
